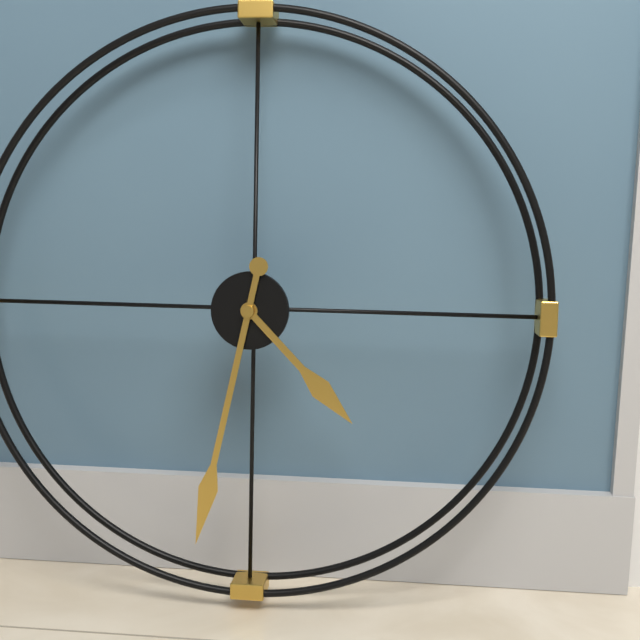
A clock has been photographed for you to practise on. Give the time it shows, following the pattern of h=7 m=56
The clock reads h=4 m=32
